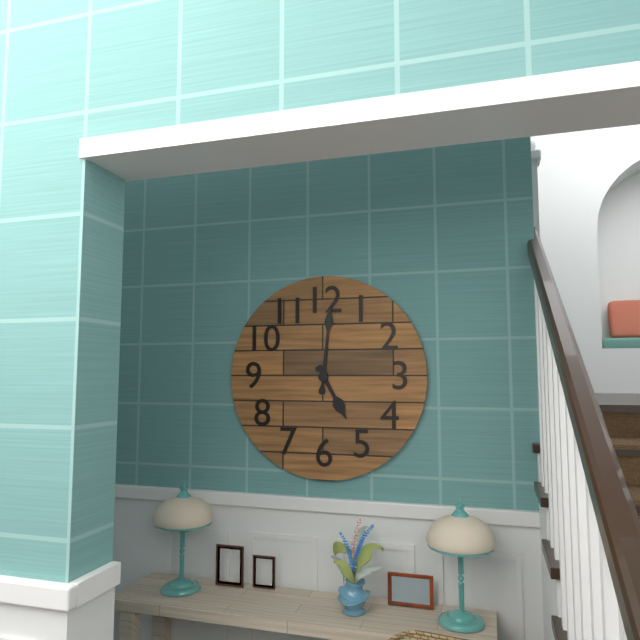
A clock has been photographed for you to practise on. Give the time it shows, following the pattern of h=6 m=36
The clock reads h=5 m=1
